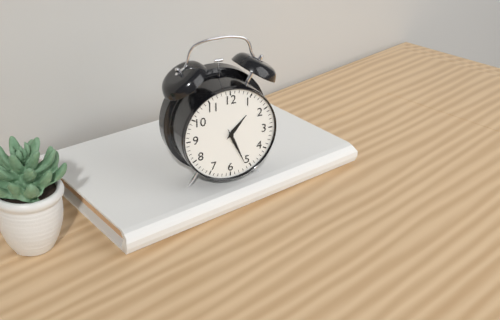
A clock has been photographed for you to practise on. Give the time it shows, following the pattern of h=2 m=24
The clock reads h=1 m=26
